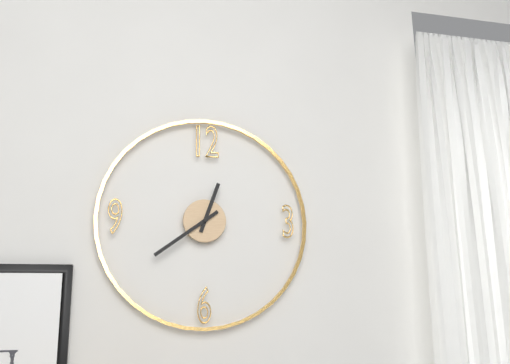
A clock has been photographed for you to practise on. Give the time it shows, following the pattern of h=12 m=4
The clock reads h=12 m=39
